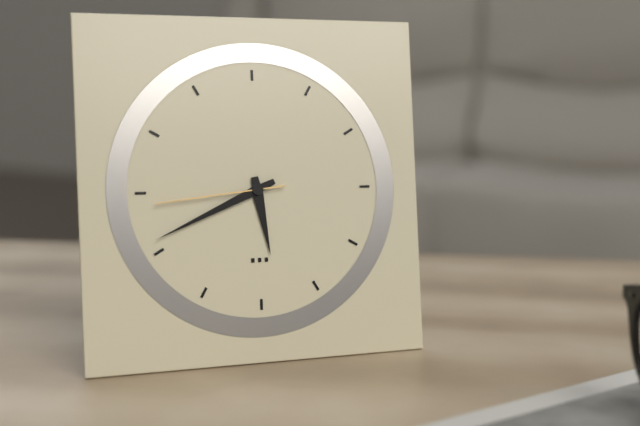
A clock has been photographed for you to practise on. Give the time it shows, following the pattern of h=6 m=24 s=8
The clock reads h=5 m=41 s=44
